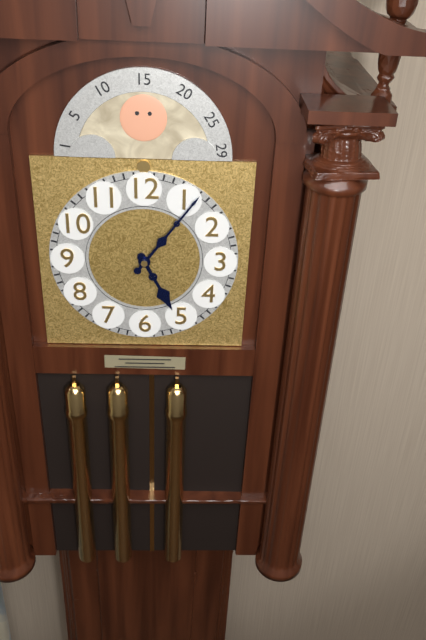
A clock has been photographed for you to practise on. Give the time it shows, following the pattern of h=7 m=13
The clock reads h=5 m=6
